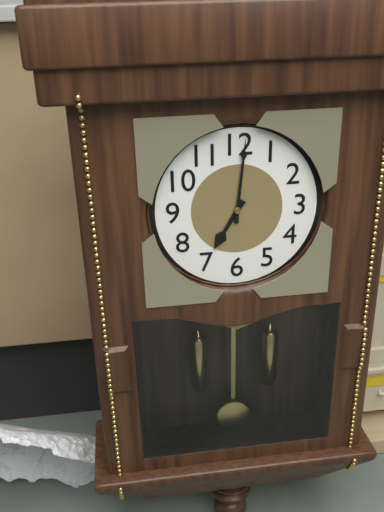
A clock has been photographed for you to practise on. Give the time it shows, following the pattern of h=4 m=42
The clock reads h=7 m=1
